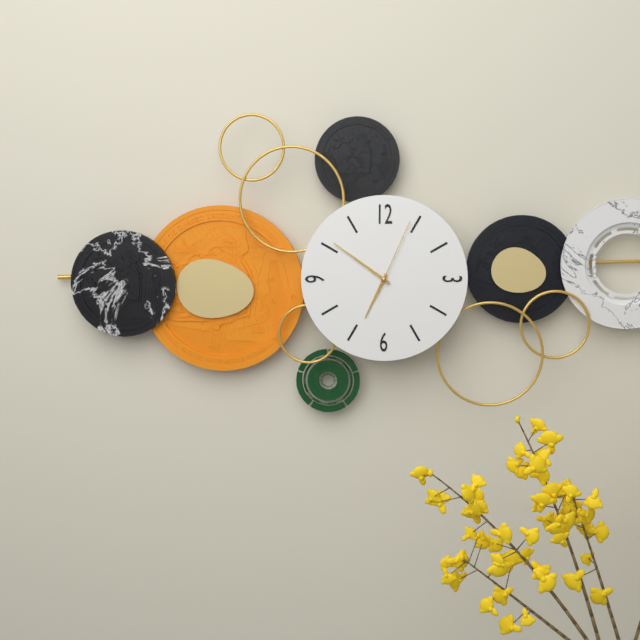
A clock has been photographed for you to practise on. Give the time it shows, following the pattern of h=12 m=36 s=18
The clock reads h=6 m=51 s=4
